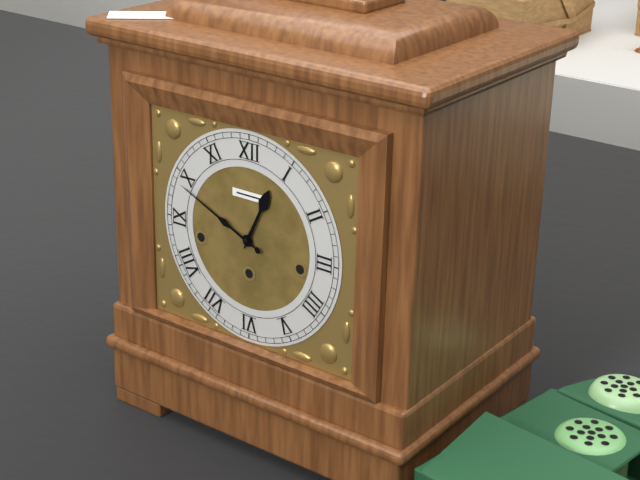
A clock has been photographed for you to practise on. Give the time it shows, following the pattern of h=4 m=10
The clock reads h=12 m=49
